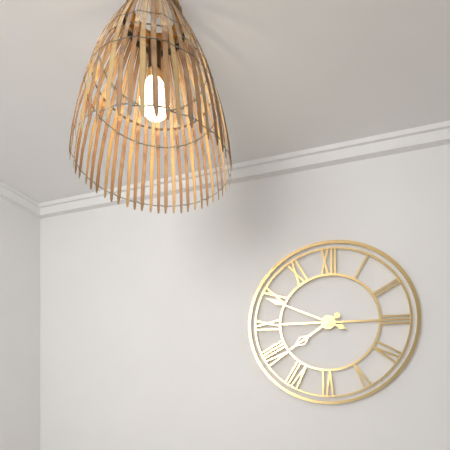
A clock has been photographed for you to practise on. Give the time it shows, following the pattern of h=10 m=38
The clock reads h=7 m=49
